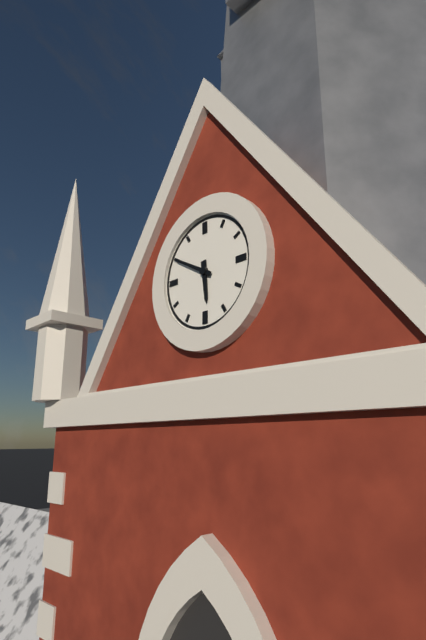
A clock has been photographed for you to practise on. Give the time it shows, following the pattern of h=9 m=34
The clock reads h=5 m=50
